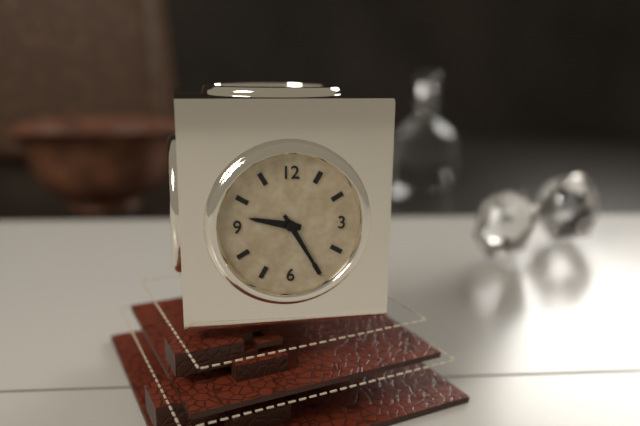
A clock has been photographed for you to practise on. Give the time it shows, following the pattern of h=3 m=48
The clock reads h=9 m=25
